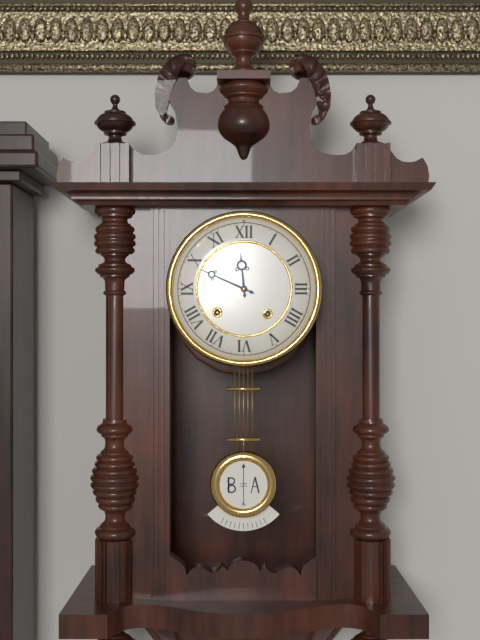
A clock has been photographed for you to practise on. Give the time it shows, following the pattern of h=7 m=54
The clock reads h=11 m=49
